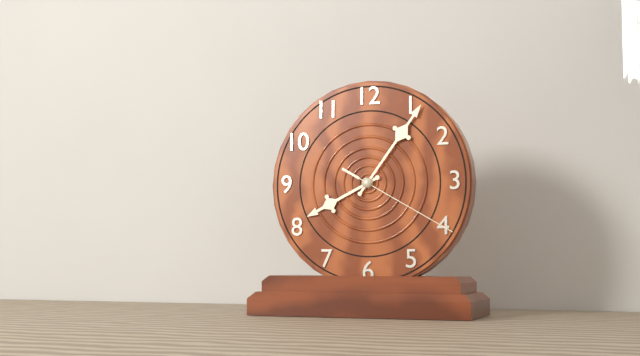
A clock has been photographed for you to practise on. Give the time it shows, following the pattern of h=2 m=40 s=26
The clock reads h=8 m=6 s=20
